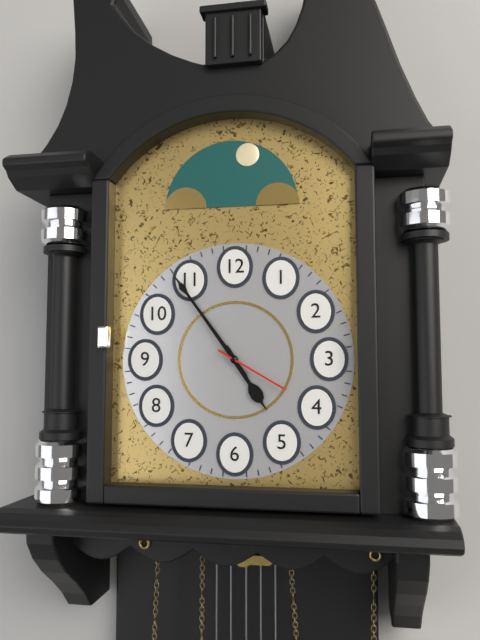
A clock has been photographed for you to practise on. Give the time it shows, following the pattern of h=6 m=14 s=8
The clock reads h=4 m=54 s=20
